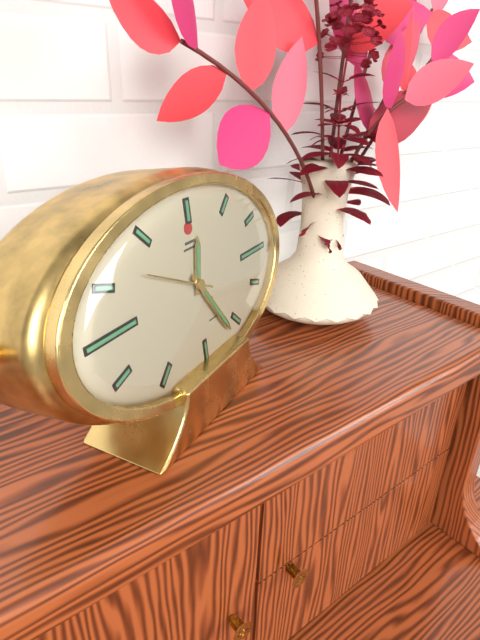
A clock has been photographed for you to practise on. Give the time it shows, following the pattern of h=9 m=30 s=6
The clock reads h=12 m=24 s=49
